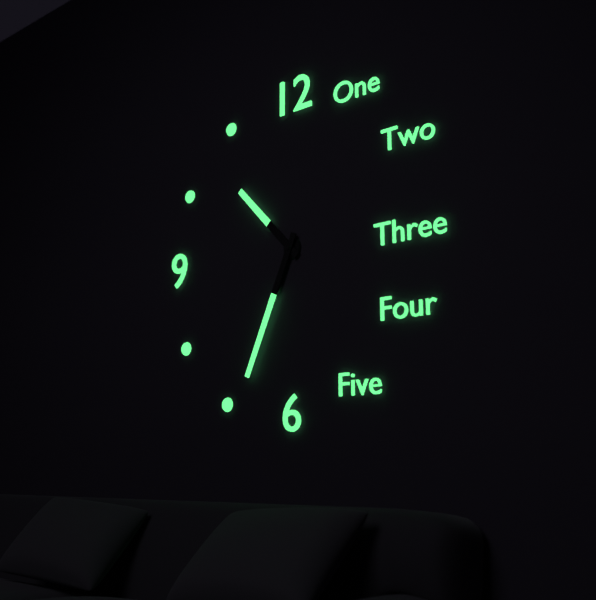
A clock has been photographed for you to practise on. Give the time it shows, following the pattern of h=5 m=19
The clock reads h=10 m=34
